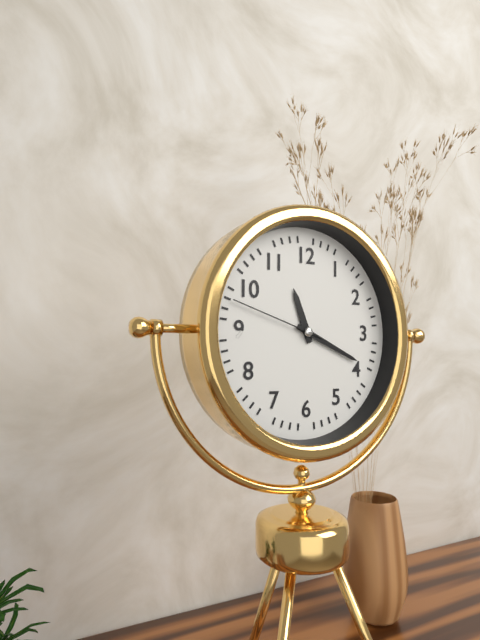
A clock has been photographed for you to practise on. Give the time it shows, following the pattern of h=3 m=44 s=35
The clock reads h=11 m=19 s=48
